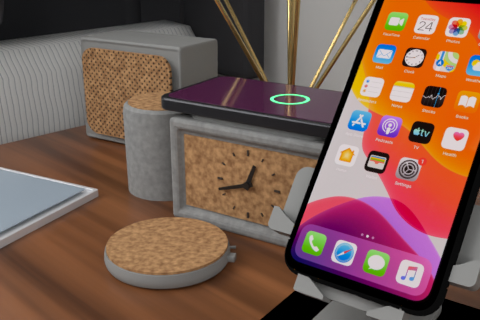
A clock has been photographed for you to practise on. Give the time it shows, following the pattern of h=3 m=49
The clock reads h=12 m=42
